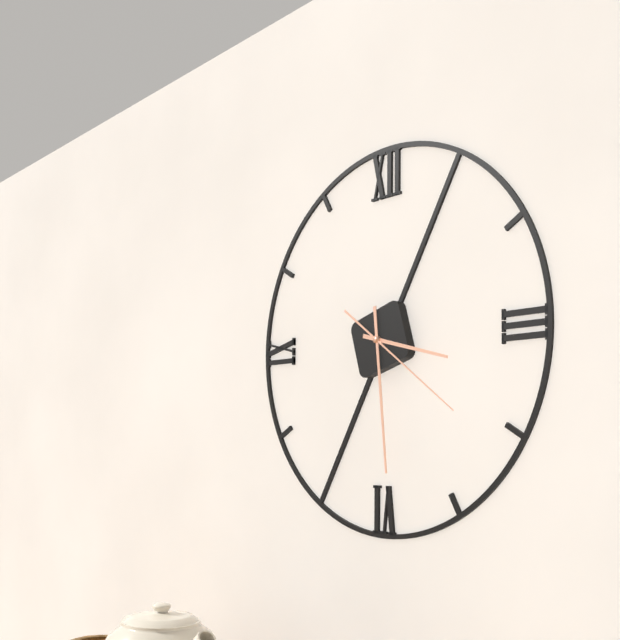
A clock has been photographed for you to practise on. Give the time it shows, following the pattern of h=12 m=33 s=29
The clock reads h=3 m=29 s=21
